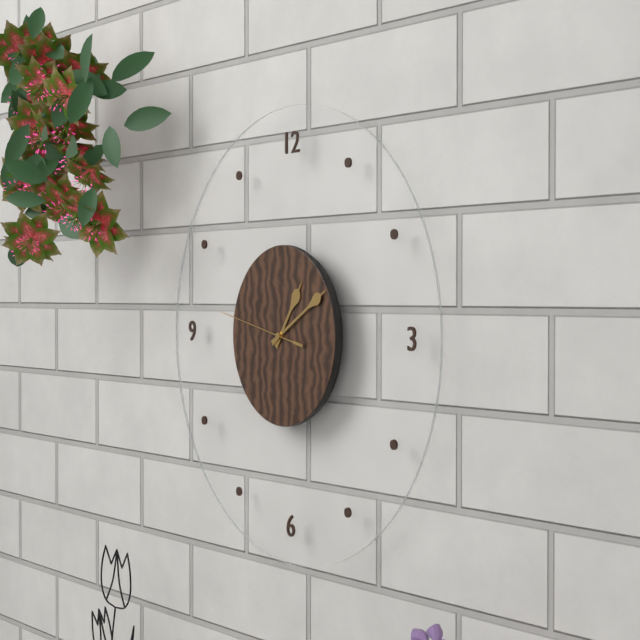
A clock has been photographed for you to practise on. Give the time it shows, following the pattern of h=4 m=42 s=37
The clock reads h=1 m=10 s=47
